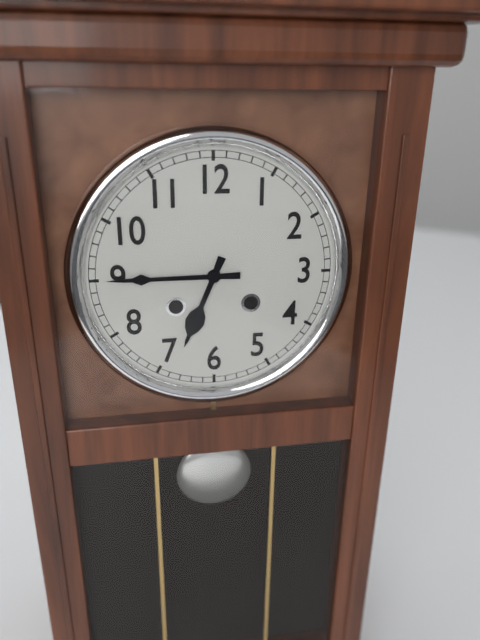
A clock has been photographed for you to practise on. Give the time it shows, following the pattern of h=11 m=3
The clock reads h=6 m=45
